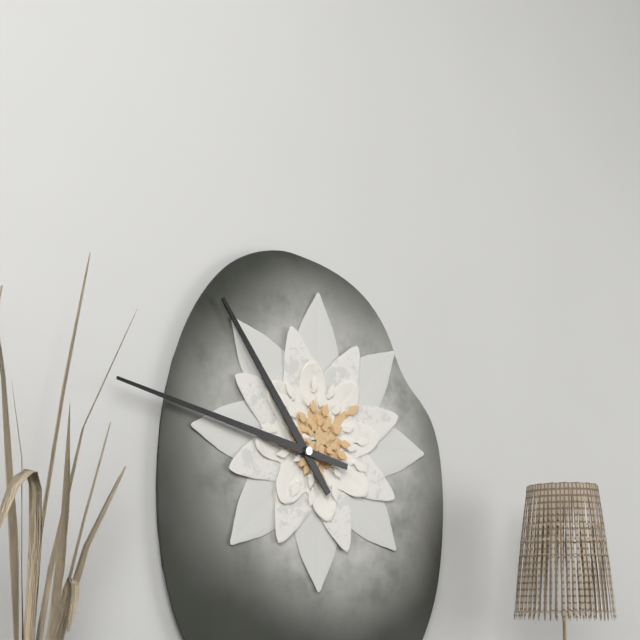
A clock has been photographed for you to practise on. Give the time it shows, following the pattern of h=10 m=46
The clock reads h=10 m=47
